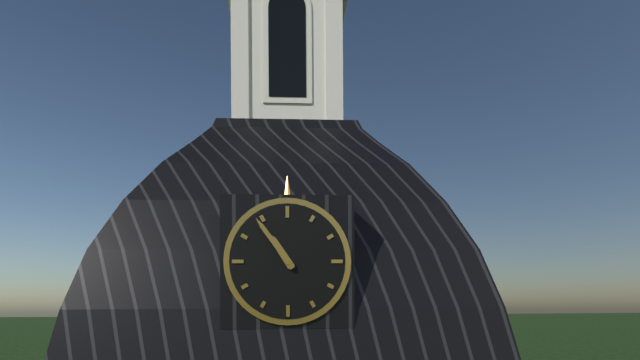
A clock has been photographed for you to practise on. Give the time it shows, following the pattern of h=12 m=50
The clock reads h=10 m=54
